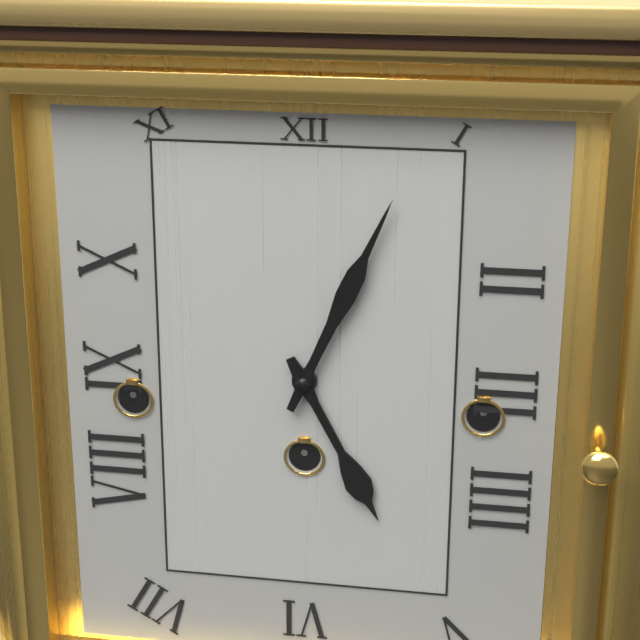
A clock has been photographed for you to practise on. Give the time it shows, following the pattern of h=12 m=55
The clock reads h=5 m=4
